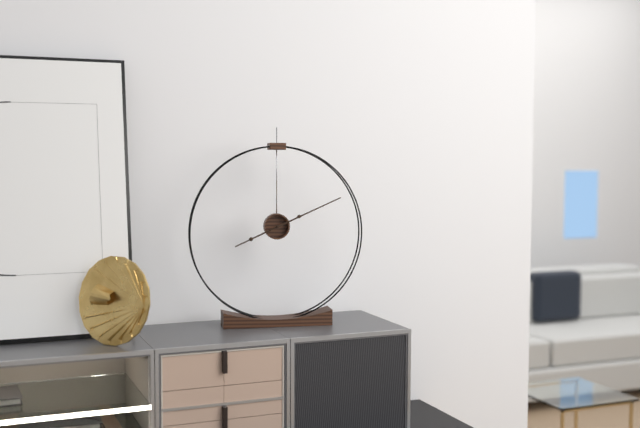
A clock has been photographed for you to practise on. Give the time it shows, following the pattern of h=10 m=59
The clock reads h=8 m=11
